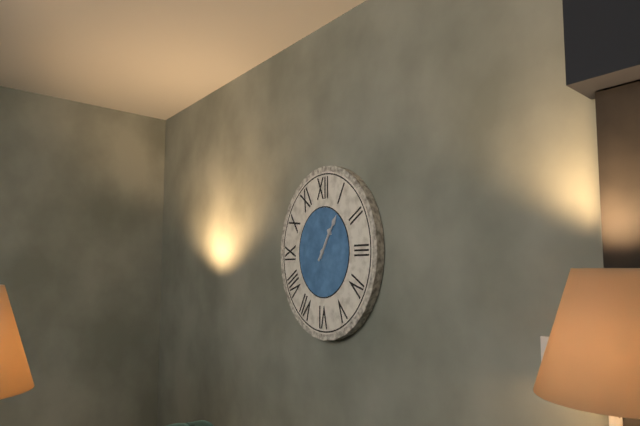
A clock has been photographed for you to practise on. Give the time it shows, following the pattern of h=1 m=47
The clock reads h=1 m=6
